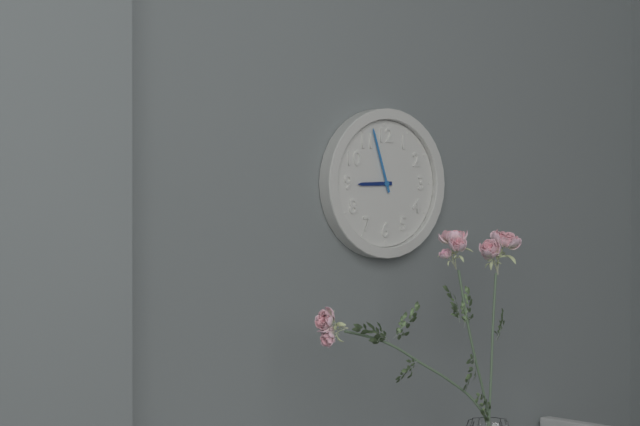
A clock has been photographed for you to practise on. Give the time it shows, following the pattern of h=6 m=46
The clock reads h=8 m=57
